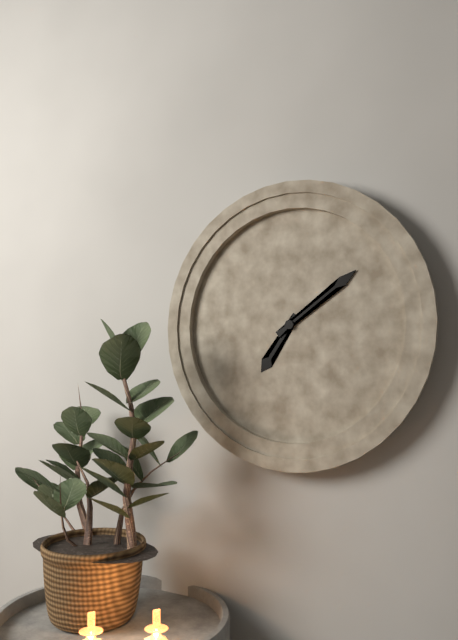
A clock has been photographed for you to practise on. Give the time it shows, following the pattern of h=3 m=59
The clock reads h=7 m=9
